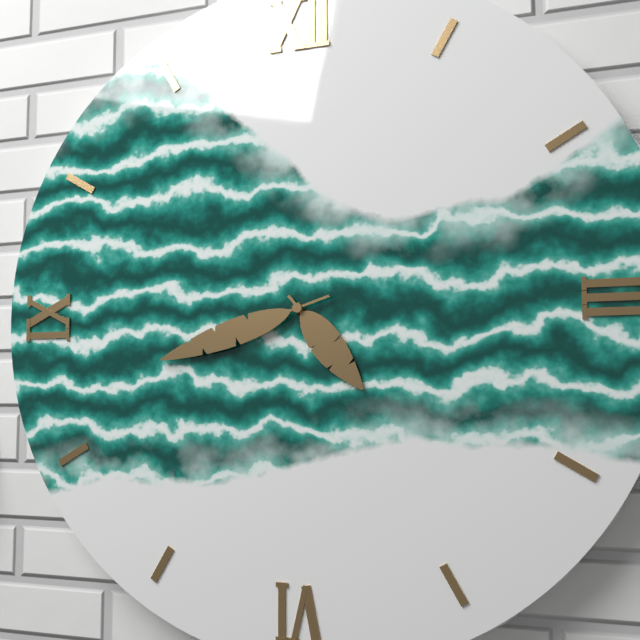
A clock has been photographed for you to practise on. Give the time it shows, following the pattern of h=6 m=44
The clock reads h=4 m=42
